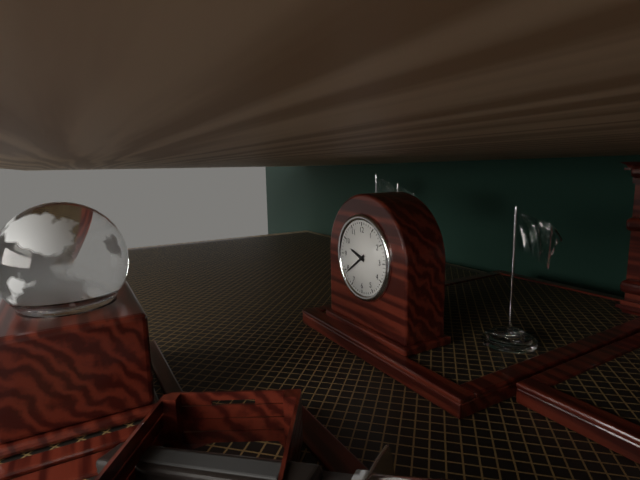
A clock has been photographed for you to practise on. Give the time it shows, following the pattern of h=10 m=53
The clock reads h=9 m=39
